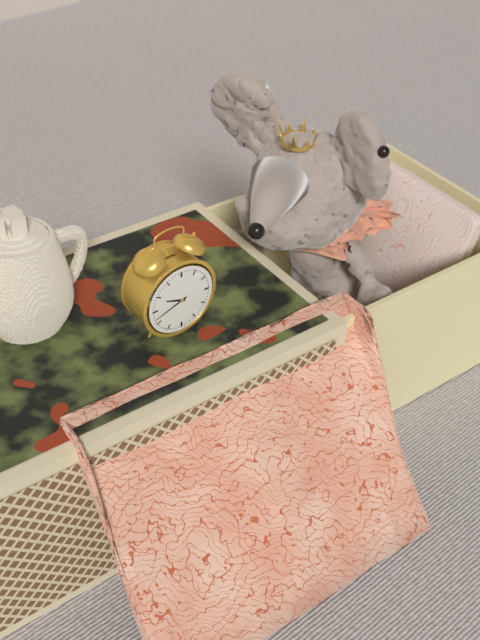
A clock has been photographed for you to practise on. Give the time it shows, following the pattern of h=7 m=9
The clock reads h=9 m=42
